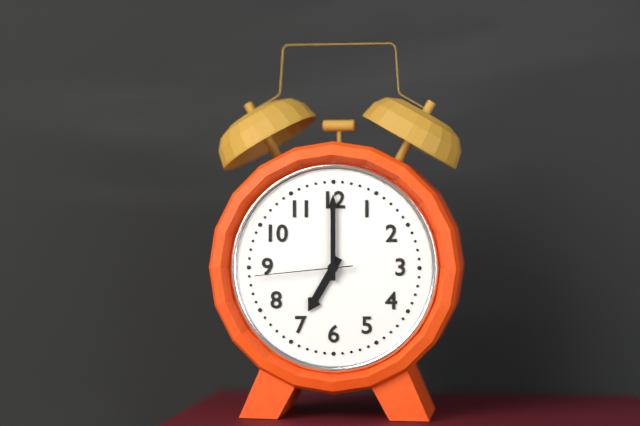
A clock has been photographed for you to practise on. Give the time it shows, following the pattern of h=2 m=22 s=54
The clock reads h=7 m=0 s=44
